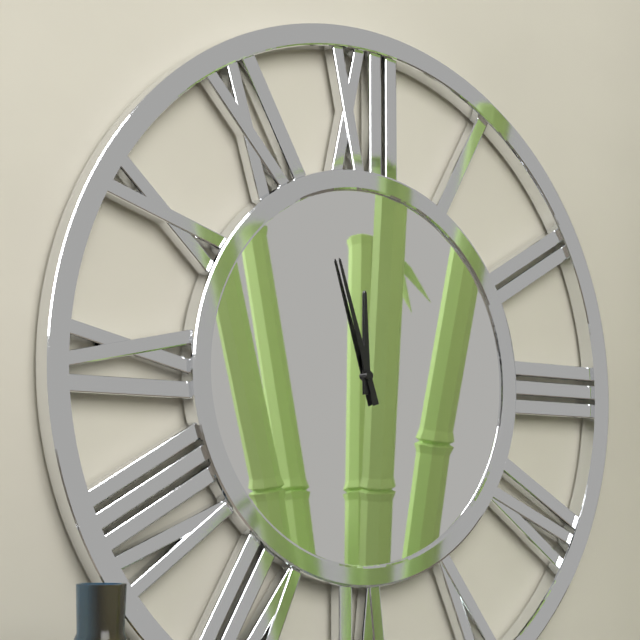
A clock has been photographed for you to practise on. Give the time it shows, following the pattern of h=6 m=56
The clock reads h=11 m=57
